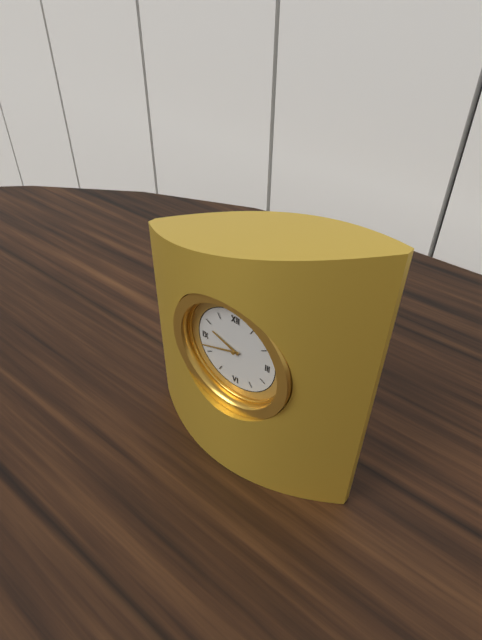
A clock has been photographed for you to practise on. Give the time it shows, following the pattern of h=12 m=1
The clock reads h=9 m=42
